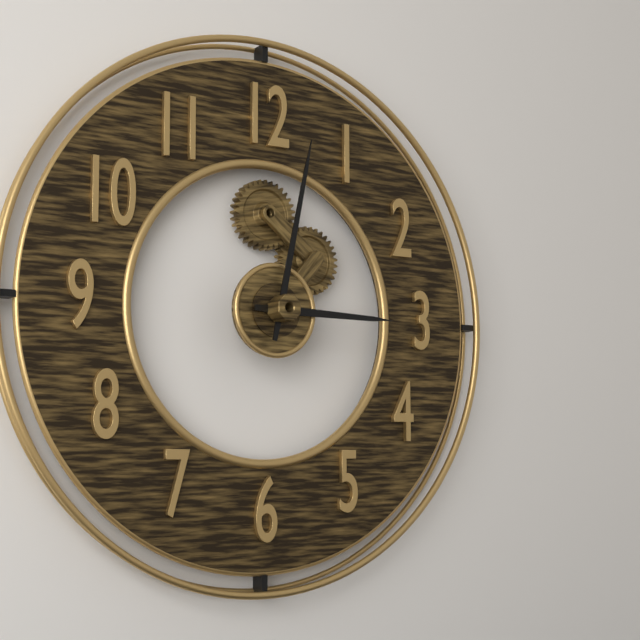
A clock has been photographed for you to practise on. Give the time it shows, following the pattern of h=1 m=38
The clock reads h=3 m=2
